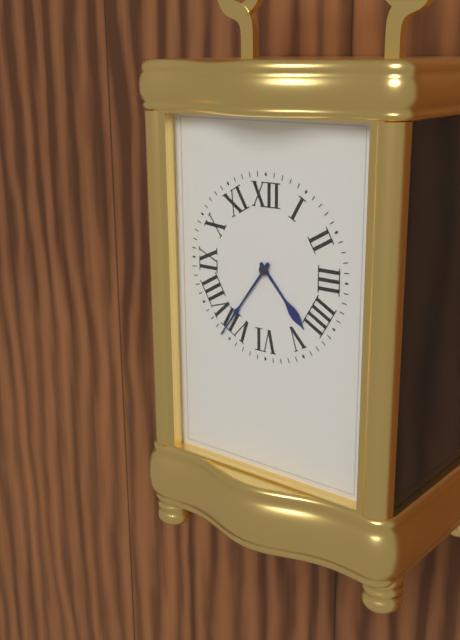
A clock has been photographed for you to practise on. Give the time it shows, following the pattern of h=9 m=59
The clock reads h=4 m=36
